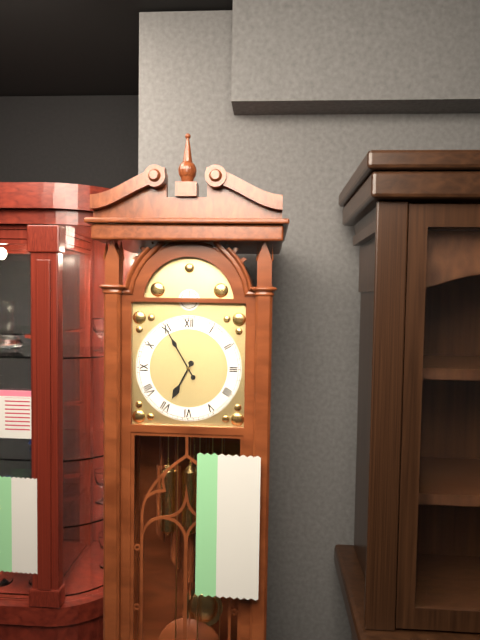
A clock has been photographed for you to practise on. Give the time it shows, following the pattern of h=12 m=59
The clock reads h=6 m=55
